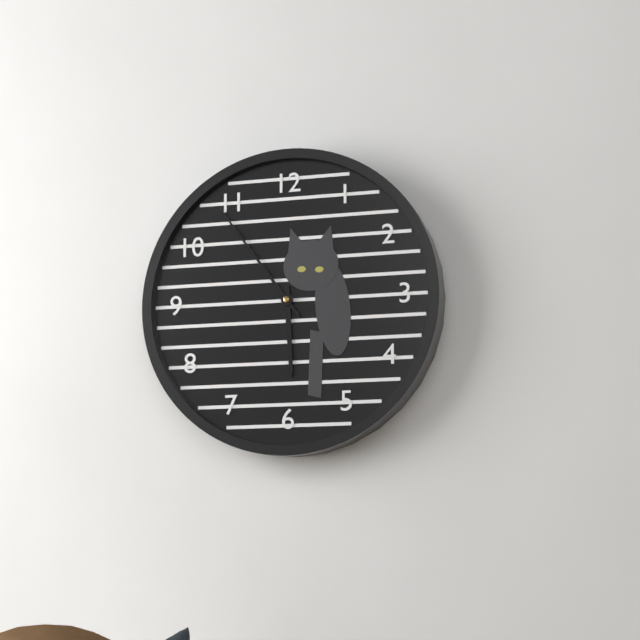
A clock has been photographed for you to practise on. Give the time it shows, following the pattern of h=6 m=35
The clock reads h=5 m=54
